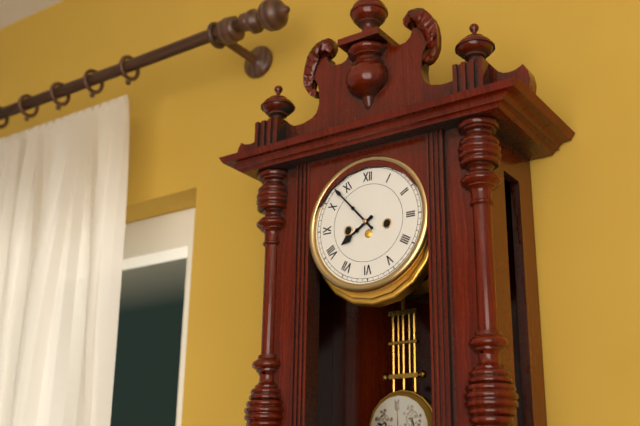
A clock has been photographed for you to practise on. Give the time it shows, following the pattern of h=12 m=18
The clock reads h=7 m=53
